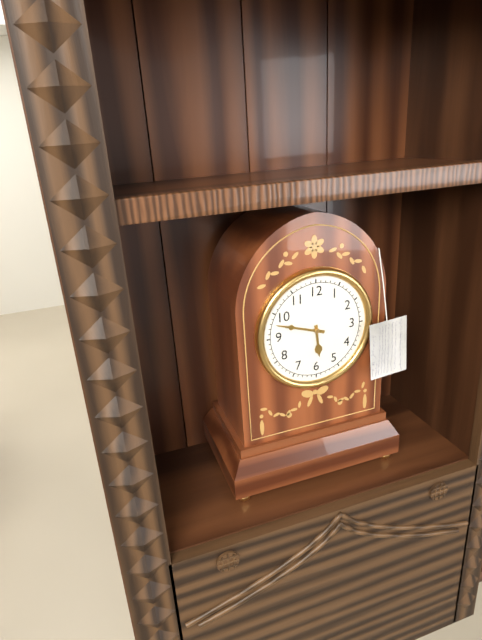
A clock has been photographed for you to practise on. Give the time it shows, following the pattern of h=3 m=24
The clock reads h=5 m=48
